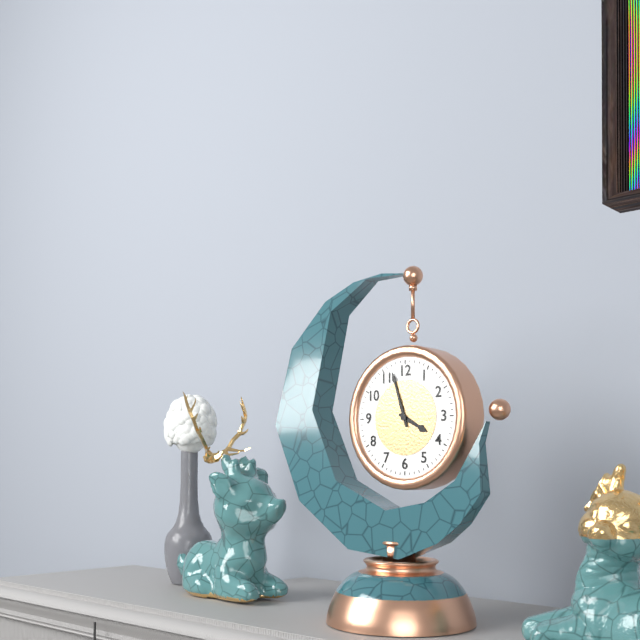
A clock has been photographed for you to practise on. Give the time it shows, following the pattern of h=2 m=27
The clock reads h=3 m=57
